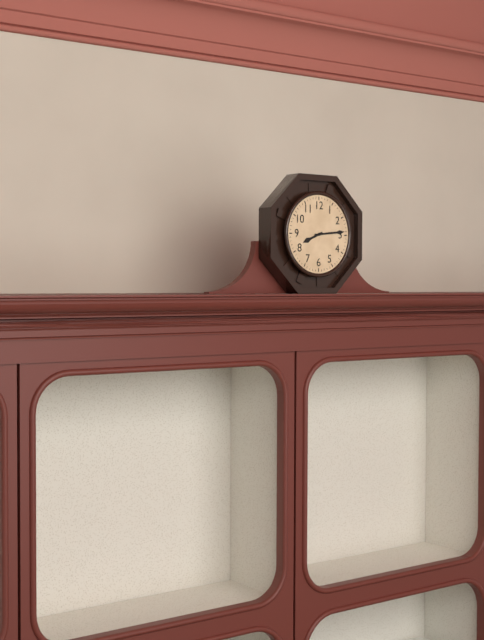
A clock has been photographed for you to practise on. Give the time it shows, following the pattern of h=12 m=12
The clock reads h=8 m=14
